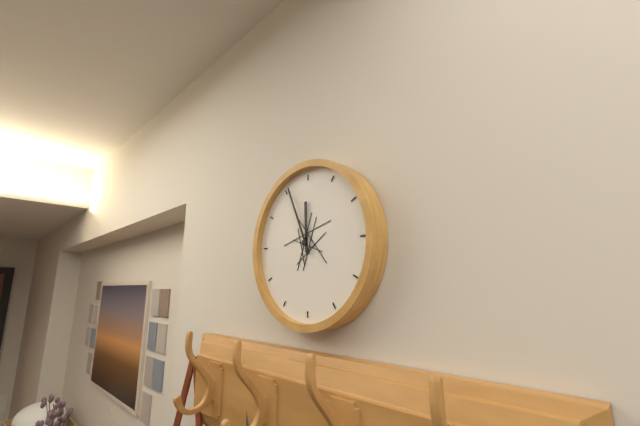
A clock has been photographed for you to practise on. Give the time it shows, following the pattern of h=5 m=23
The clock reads h=11 m=56
